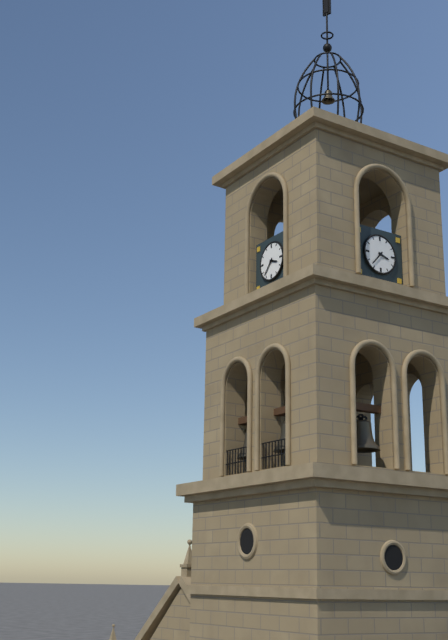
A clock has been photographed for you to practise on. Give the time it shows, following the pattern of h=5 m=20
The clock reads h=3 m=37
